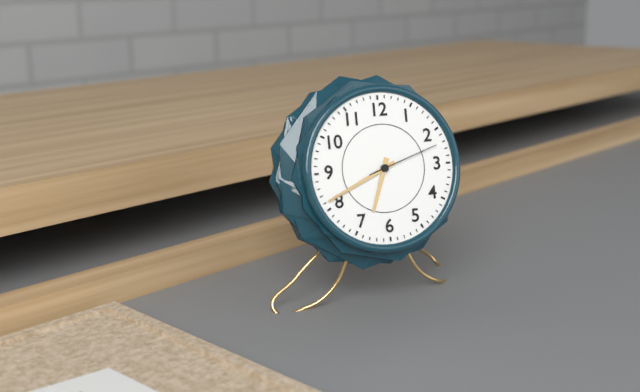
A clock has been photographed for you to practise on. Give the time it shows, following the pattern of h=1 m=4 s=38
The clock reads h=6 m=41 s=12
